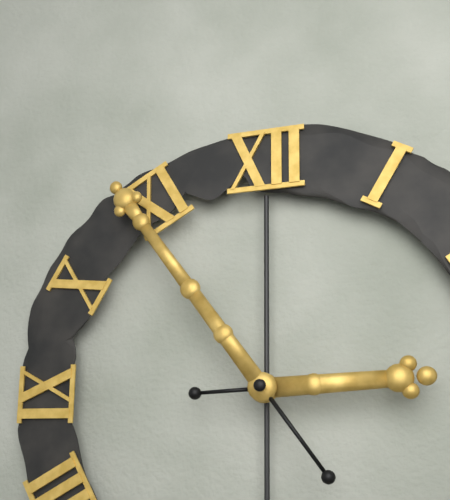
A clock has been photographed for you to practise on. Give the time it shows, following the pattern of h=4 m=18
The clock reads h=2 m=54
